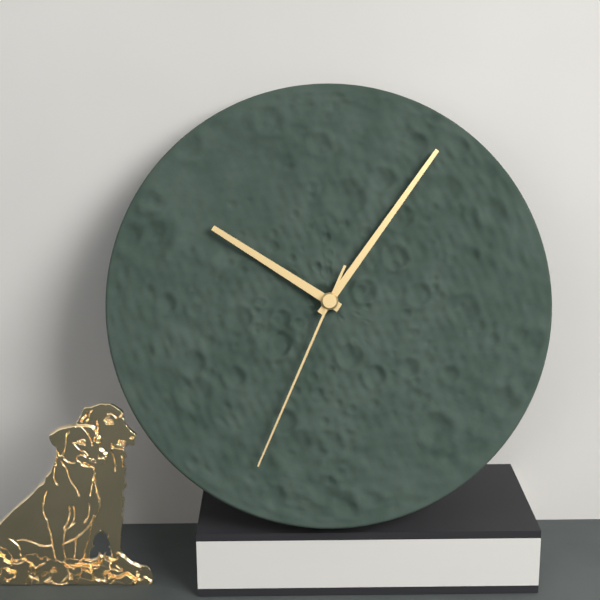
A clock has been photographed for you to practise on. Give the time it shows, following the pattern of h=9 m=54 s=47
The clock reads h=10 m=6 s=34
